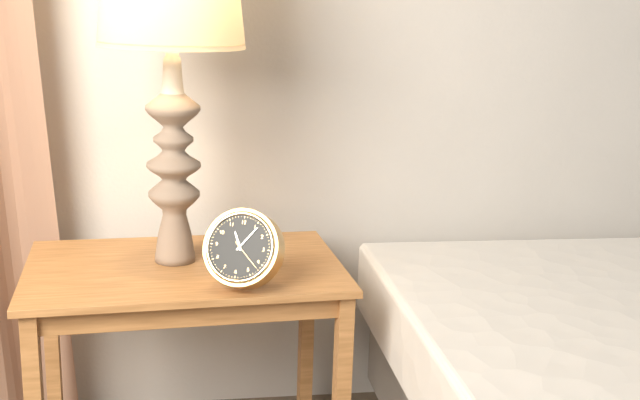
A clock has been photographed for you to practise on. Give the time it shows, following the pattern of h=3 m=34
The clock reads h=11 m=6
